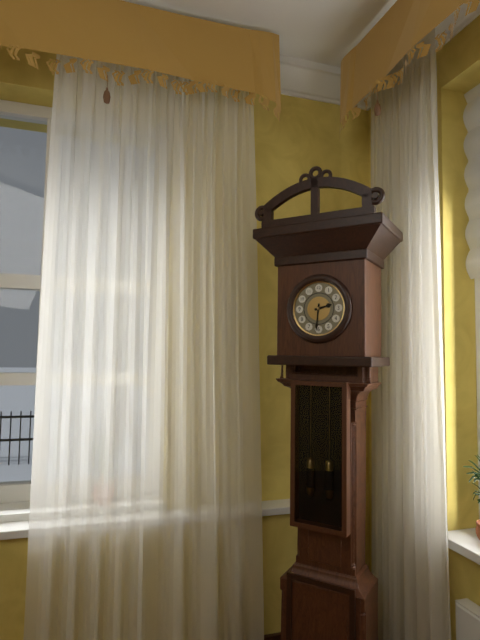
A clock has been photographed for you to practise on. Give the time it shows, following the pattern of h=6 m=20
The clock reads h=2 m=31
